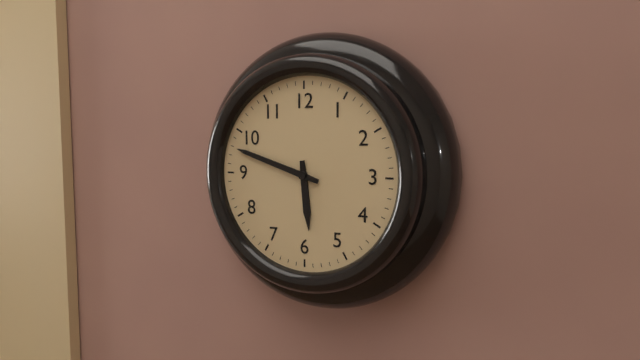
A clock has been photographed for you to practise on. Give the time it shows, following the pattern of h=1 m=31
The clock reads h=5 m=48
